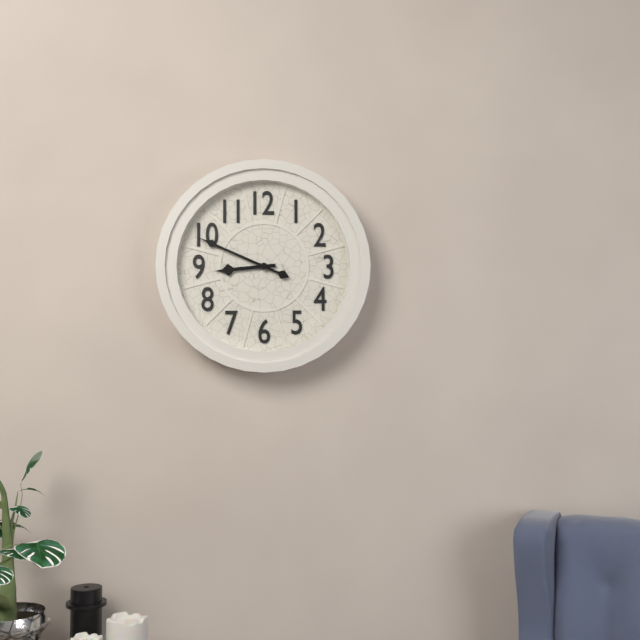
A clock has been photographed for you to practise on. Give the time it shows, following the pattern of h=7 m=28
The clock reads h=8 m=49
